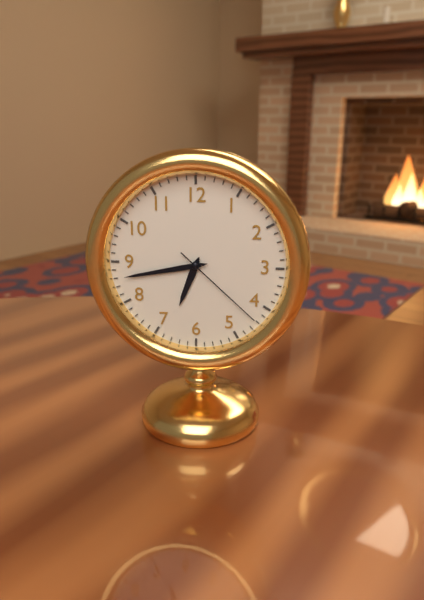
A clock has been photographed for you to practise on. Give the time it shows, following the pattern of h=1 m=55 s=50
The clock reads h=6 m=43 s=22
